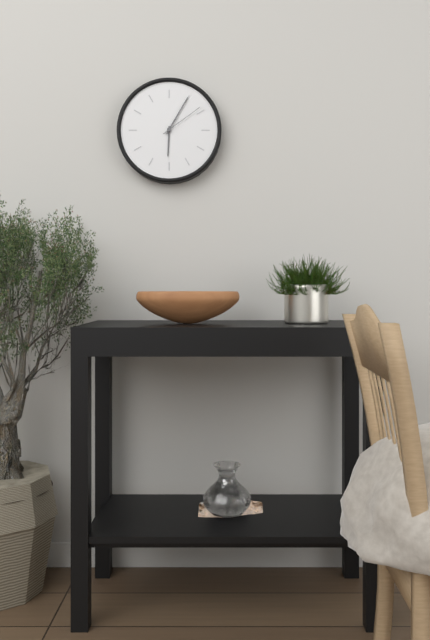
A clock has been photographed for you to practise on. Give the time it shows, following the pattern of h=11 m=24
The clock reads h=6 m=5
